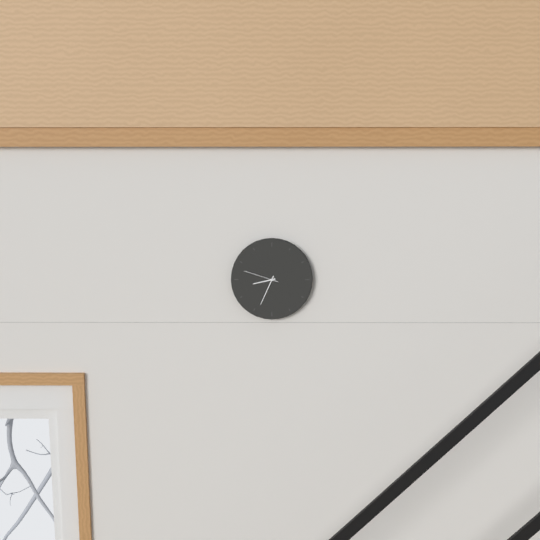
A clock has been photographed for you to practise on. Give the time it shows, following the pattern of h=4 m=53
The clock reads h=8 m=34
